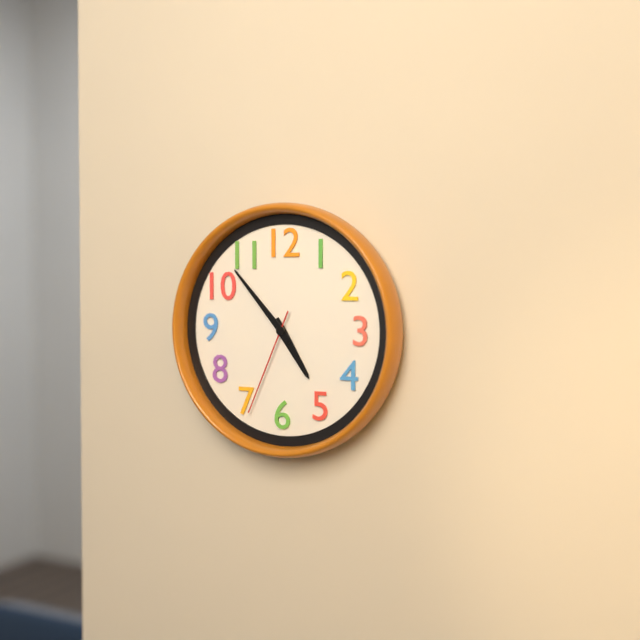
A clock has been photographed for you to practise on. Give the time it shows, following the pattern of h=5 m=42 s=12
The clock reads h=4 m=53 s=34
